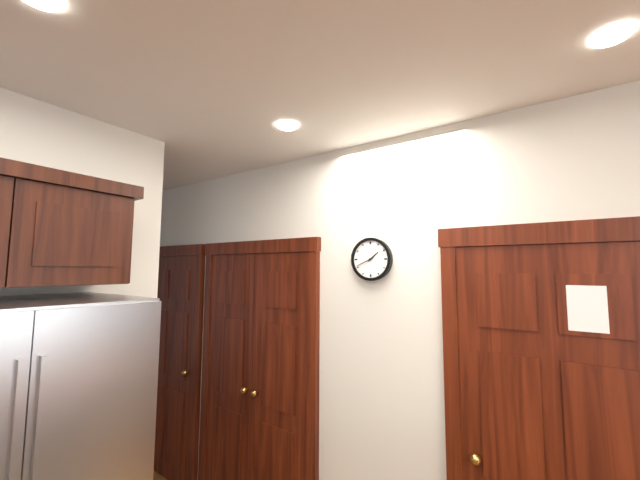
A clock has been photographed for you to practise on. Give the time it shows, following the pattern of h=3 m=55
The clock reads h=1 m=41
